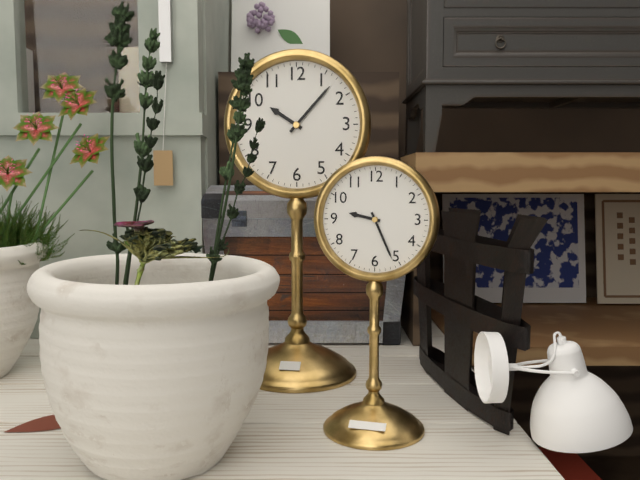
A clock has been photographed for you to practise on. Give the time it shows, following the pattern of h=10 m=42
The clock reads h=10 m=7
